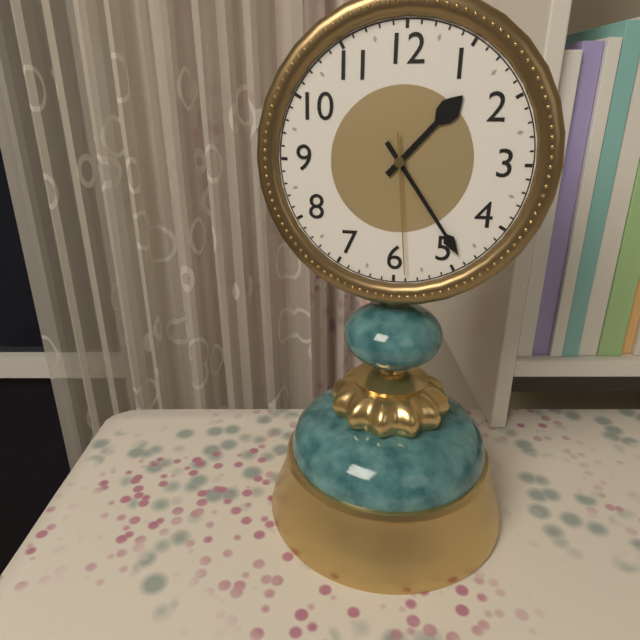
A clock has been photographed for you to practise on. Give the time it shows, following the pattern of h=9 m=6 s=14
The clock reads h=1 m=24 s=29
